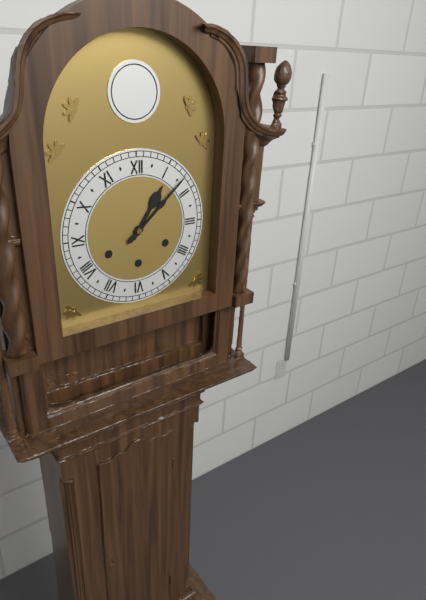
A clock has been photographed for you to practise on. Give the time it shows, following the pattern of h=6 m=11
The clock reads h=1 m=8
